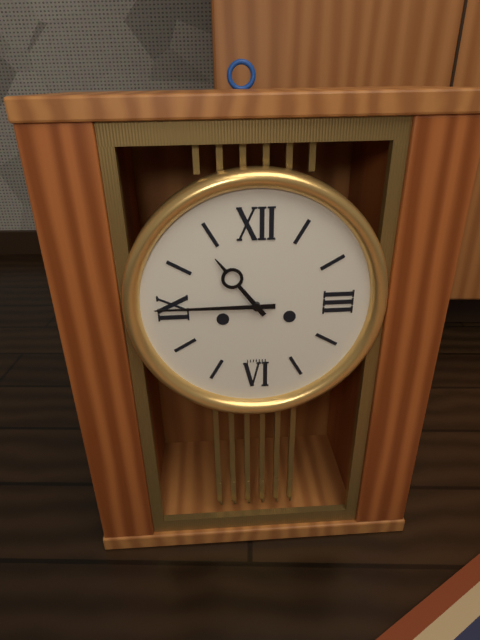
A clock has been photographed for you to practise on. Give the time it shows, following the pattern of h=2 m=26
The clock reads h=10 m=45
